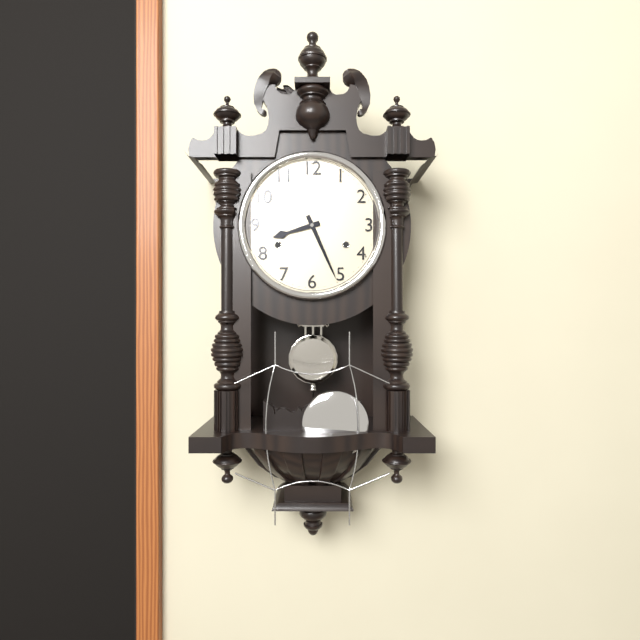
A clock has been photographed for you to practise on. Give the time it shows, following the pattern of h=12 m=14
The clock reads h=8 m=26
